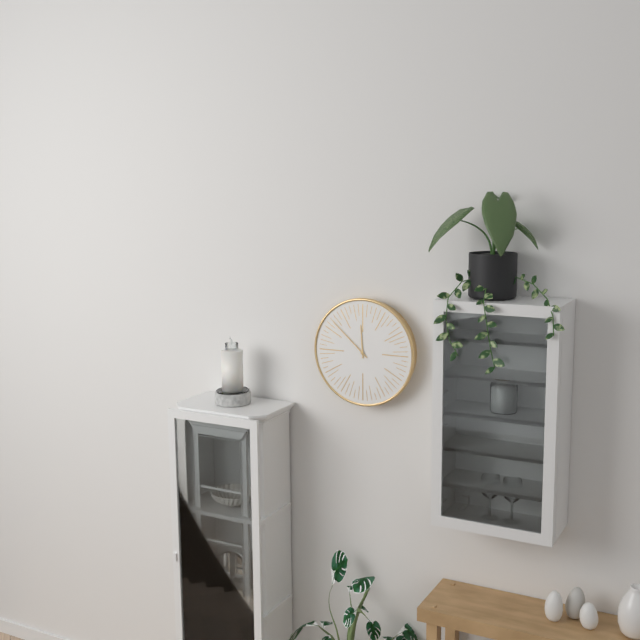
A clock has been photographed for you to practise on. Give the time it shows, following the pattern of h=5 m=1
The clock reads h=11 m=52
